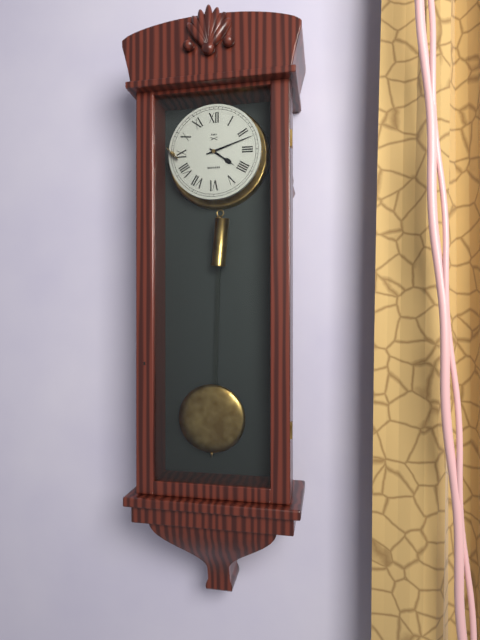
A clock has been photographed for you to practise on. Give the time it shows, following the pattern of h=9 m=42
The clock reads h=4 m=12
